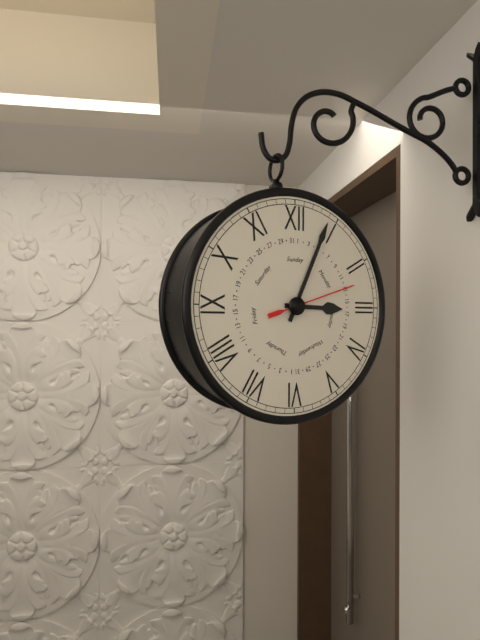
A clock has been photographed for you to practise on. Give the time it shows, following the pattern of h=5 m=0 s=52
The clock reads h=3 m=4 s=12
